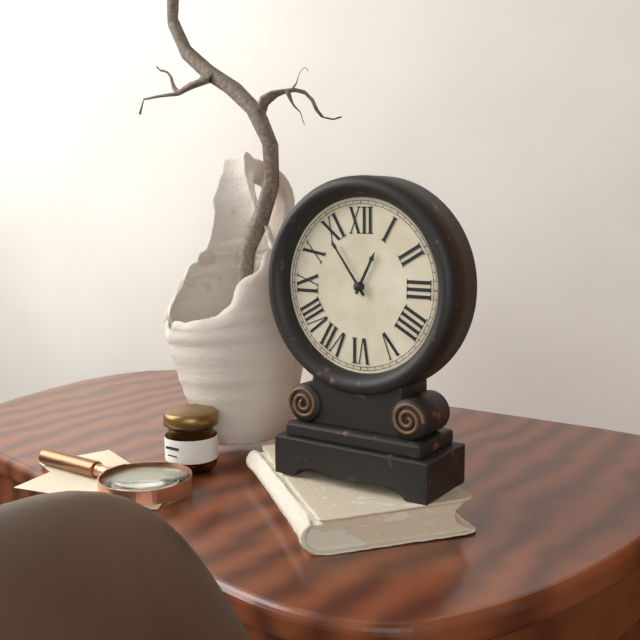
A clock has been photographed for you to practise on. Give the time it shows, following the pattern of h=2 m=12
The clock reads h=12 m=54
